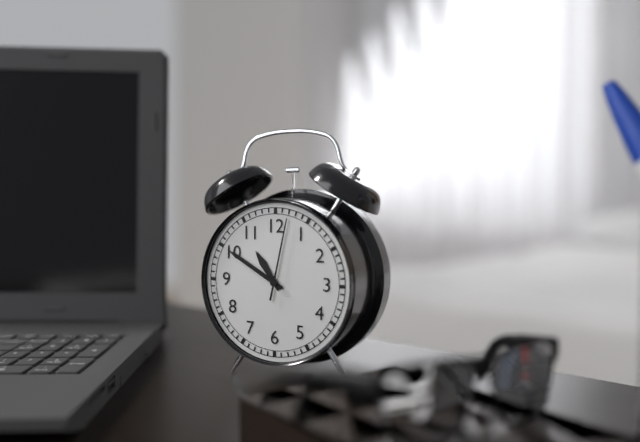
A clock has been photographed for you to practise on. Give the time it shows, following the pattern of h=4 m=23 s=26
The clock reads h=10 m=50 s=2
